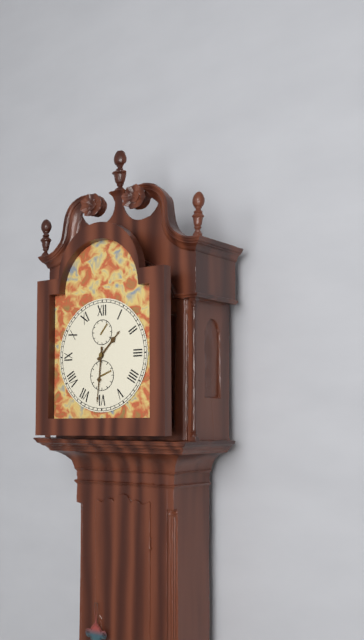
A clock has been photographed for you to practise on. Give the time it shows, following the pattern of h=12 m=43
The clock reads h=1 m=31
